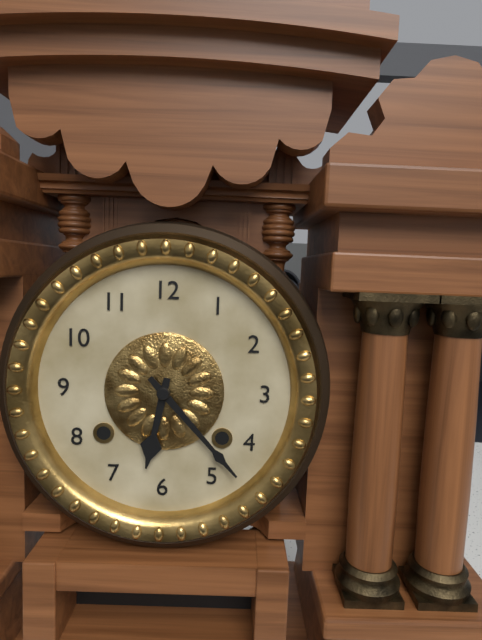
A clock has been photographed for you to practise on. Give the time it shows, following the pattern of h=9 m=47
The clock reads h=6 m=23
